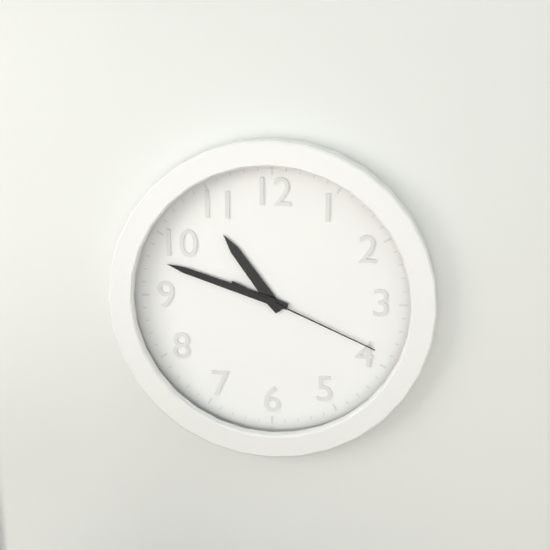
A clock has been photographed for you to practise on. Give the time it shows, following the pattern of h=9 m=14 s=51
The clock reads h=10 m=48 s=19
